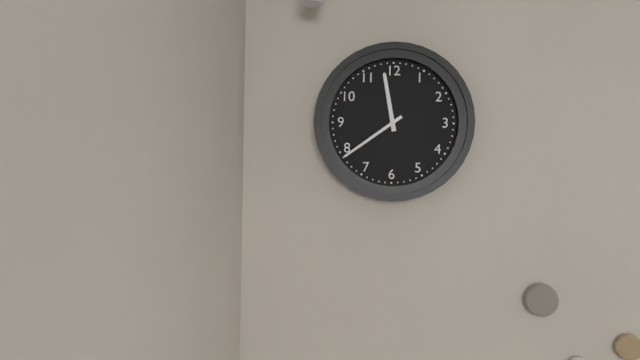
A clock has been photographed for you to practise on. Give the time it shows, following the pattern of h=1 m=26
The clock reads h=11 m=39
